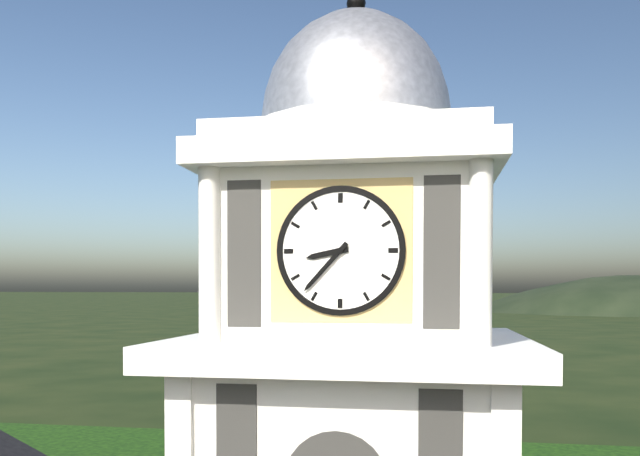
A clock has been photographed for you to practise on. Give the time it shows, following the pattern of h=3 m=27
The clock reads h=8 m=37
